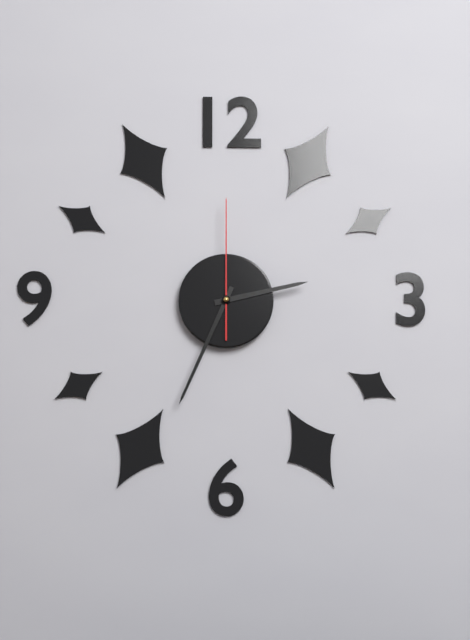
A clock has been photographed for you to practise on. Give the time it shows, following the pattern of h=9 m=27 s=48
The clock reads h=2 m=34 s=0
